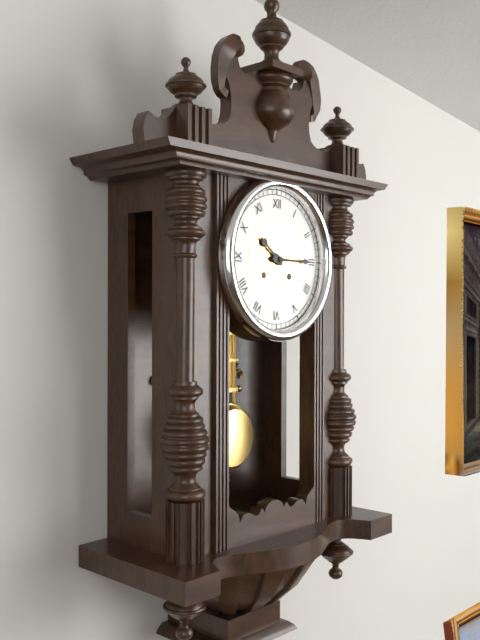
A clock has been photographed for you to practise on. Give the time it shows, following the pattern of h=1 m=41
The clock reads h=10 m=15
